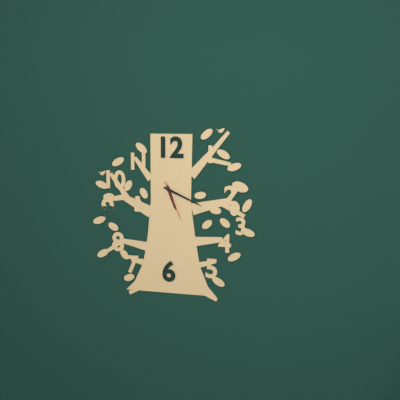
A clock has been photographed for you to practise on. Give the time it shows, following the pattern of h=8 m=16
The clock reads h=5 m=19
